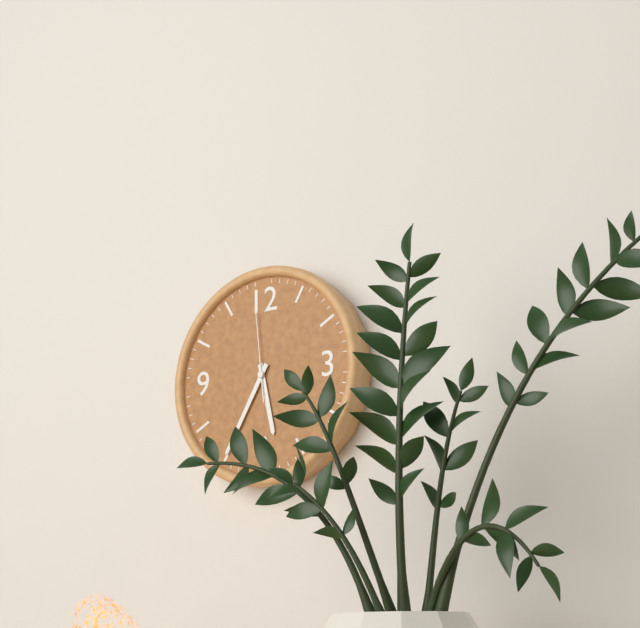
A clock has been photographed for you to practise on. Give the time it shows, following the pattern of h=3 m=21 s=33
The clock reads h=5 m=35 s=59
